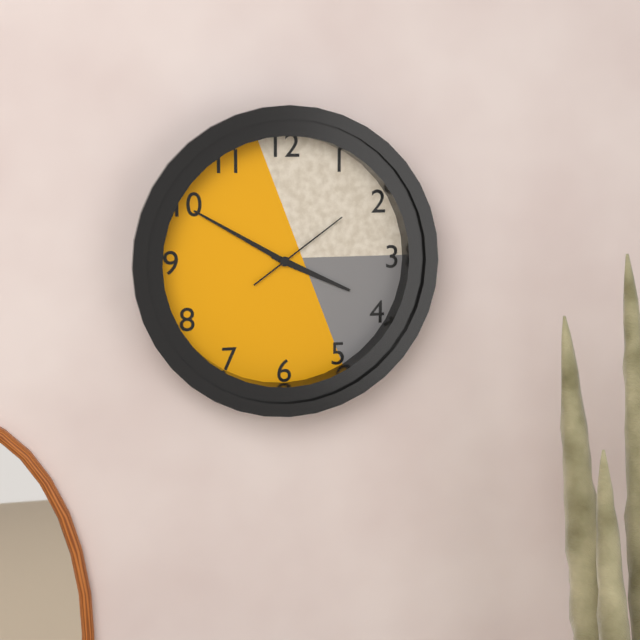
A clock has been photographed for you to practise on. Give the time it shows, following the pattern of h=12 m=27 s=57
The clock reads h=3 m=50 s=9
